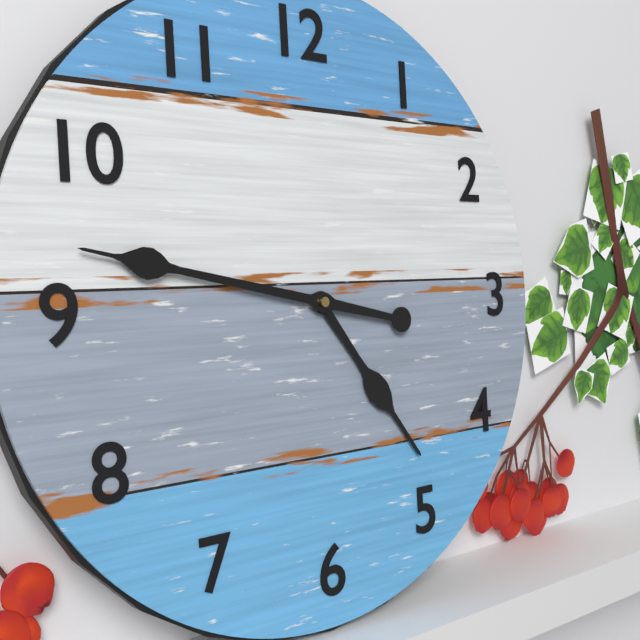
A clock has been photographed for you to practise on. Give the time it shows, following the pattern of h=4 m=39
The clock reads h=4 m=47
